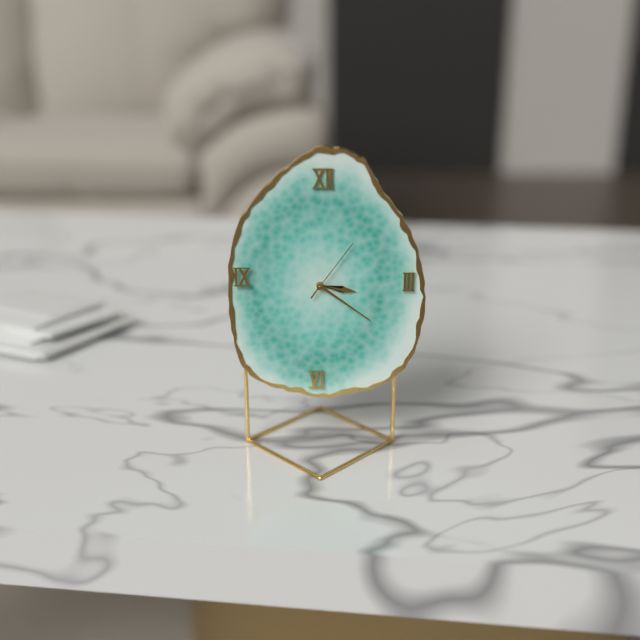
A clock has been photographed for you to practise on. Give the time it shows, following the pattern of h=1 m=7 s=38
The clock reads h=3 m=21 s=6
